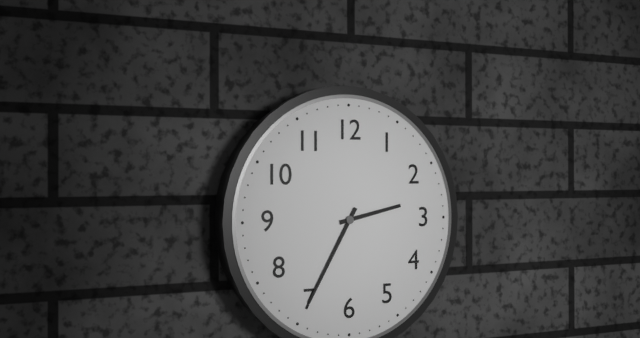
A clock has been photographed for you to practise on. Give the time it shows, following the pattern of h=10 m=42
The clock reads h=2 m=35
